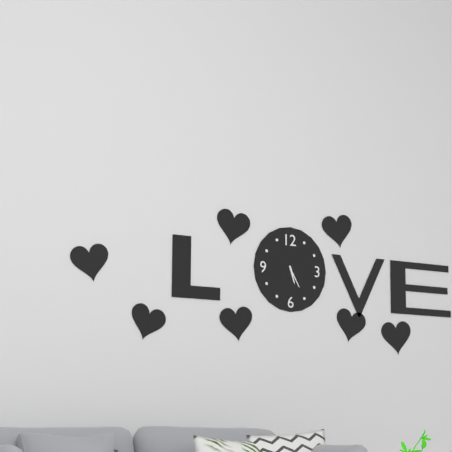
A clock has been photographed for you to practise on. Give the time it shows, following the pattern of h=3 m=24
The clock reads h=5 m=25
